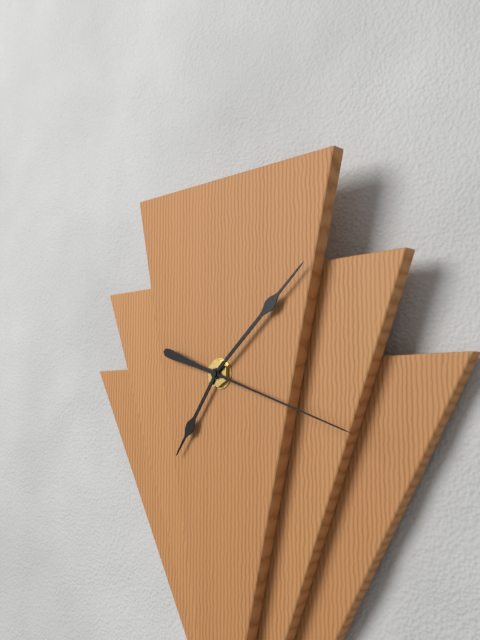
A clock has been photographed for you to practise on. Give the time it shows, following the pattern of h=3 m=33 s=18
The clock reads h=7 m=8 s=18
